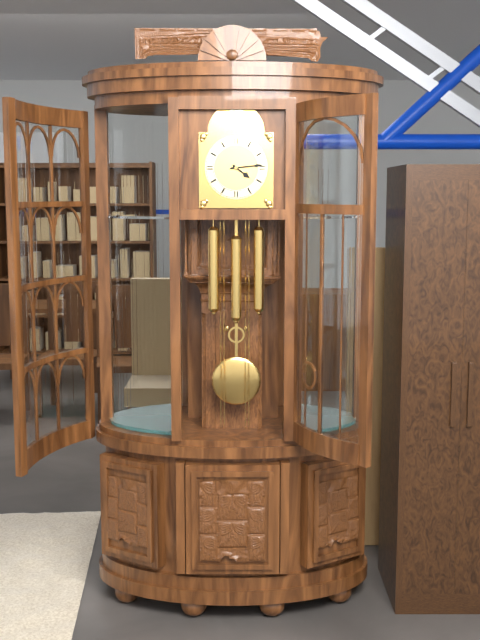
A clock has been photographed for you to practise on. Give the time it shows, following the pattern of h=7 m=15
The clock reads h=4 m=14
